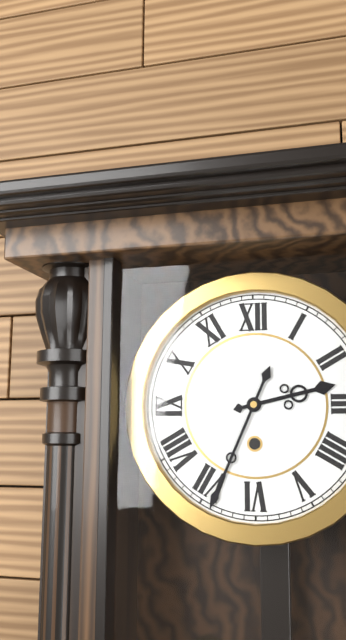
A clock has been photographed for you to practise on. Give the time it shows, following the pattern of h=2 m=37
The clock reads h=2 m=34
